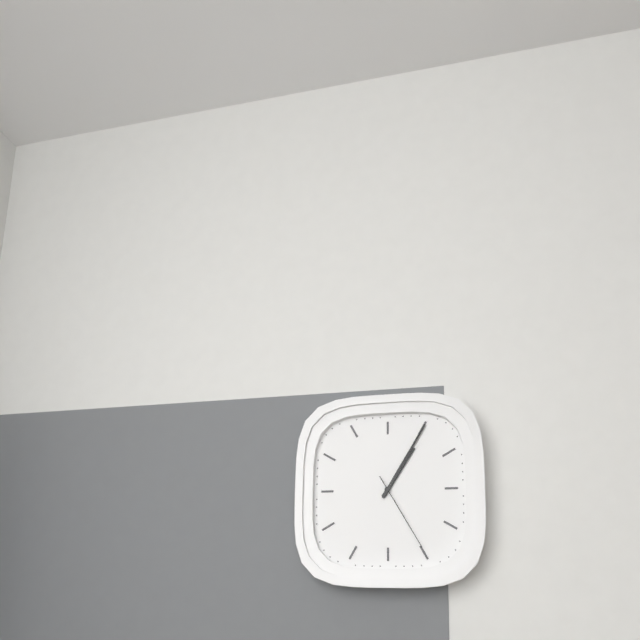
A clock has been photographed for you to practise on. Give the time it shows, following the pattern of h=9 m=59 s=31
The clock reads h=1 m=5 s=25
